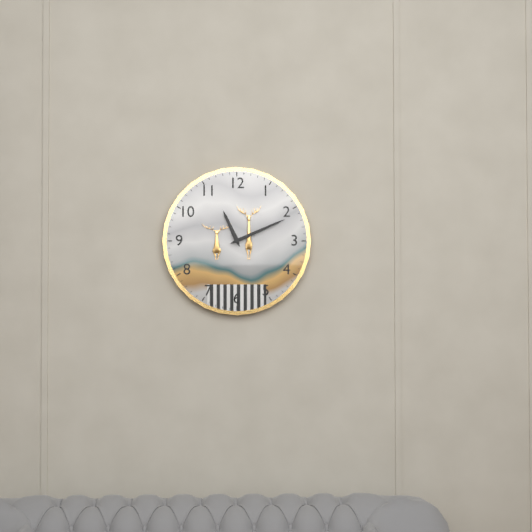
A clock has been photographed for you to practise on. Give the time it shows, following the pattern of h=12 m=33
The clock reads h=11 m=11
